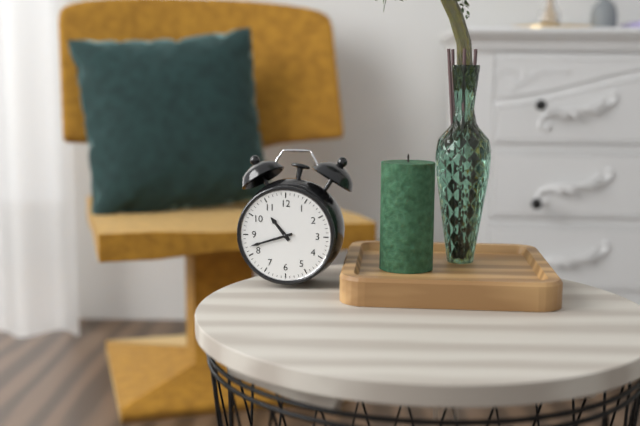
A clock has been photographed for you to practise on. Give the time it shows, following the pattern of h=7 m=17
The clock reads h=10 m=42
